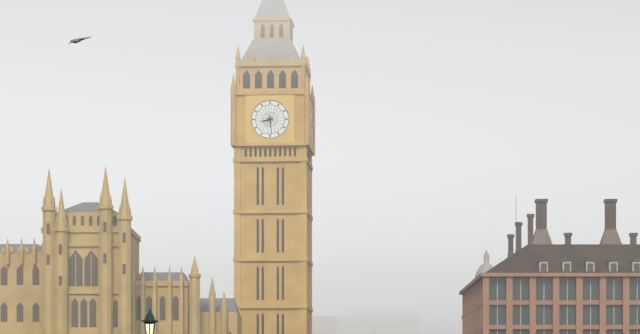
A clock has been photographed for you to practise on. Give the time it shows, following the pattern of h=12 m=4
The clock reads h=8 m=29
